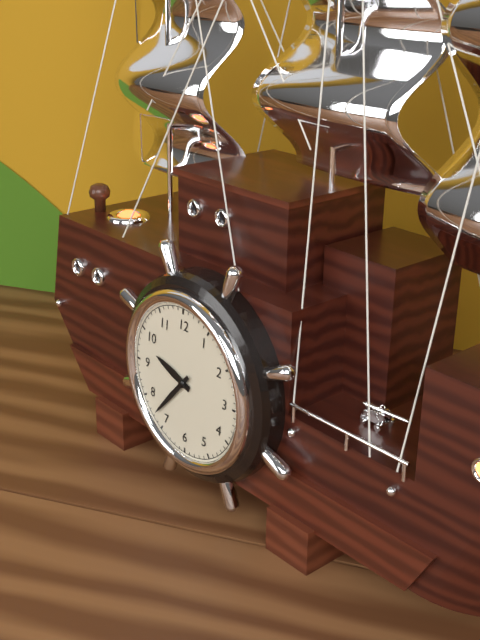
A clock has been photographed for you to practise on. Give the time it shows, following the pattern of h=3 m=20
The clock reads h=9 m=37
